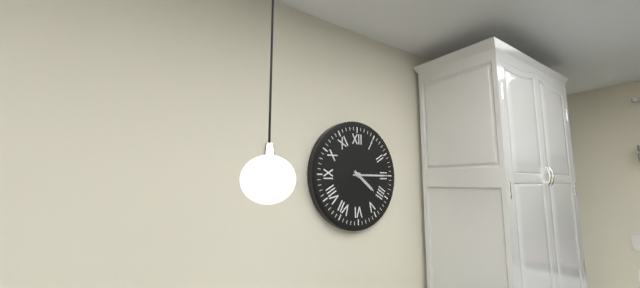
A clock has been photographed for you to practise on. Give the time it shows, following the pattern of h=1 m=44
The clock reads h=4 m=15
